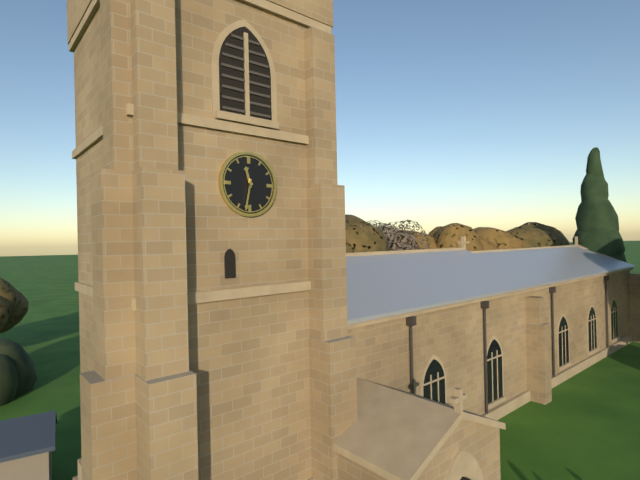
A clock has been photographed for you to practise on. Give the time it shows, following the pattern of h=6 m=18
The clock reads h=11 m=32
